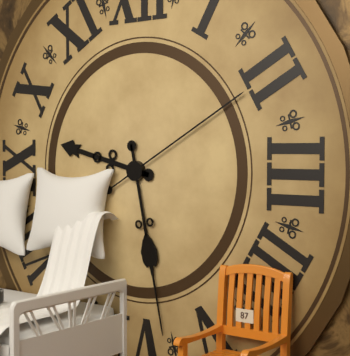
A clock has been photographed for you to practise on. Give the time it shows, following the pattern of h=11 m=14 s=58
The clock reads h=9 m=28 s=10
